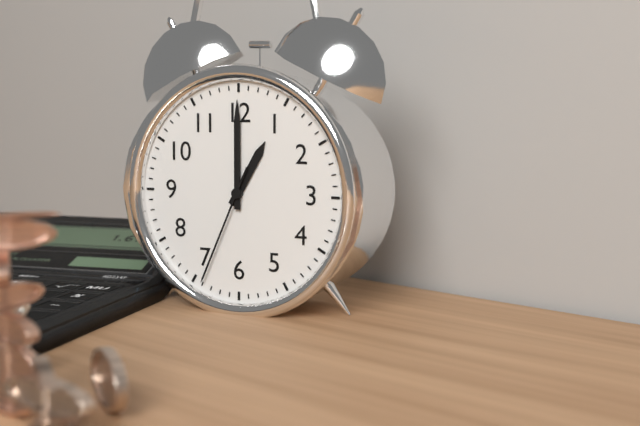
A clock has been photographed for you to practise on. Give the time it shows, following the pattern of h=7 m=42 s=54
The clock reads h=1 m=0 s=34
